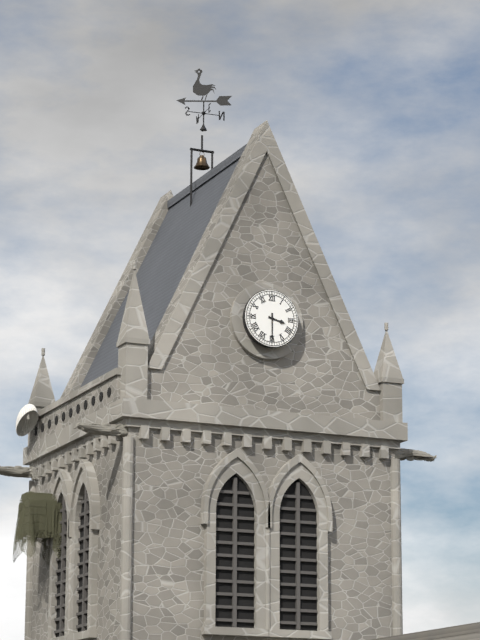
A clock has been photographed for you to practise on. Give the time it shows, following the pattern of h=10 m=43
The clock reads h=3 m=30
